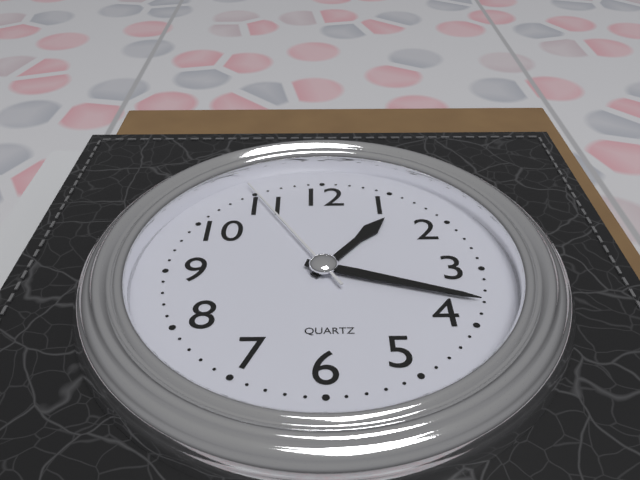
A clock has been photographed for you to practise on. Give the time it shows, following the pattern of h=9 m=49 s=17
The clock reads h=1 m=18 s=55
